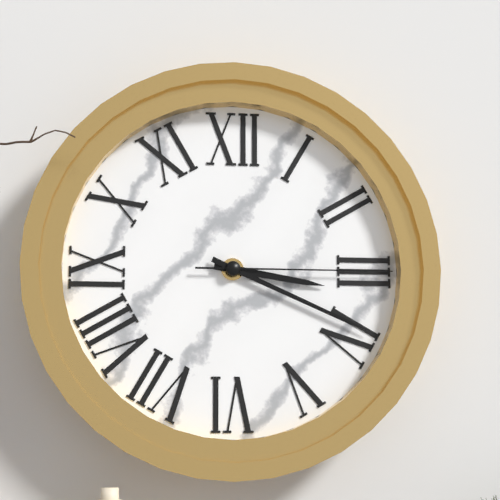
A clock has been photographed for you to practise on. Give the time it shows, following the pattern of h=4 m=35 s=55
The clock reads h=3 m=19 s=15
